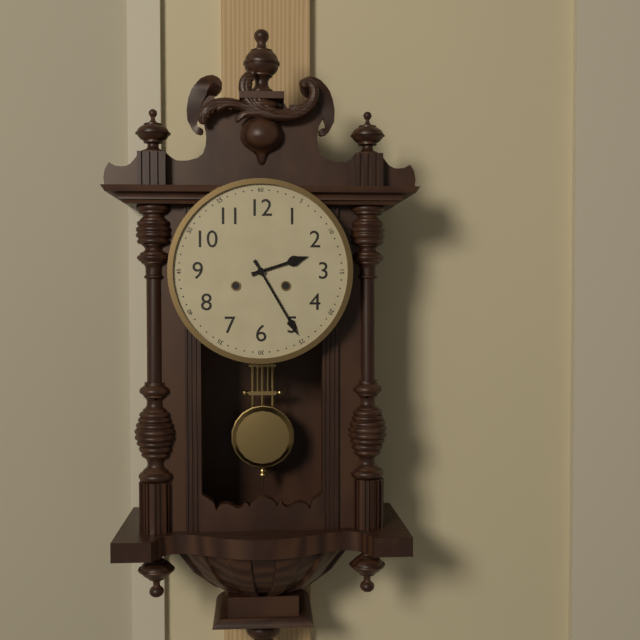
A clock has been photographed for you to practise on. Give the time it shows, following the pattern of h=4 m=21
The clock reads h=2 m=25
